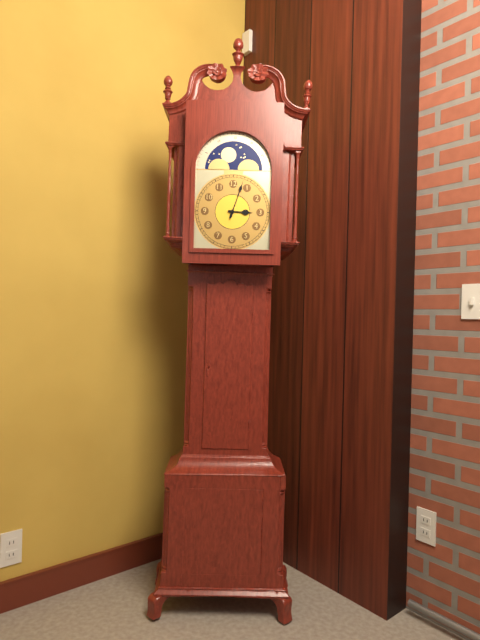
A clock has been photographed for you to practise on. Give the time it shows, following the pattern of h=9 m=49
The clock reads h=3 m=3
